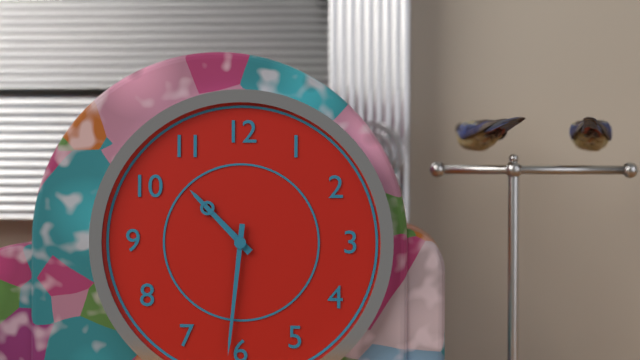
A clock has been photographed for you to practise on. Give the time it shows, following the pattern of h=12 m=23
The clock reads h=10 m=31
